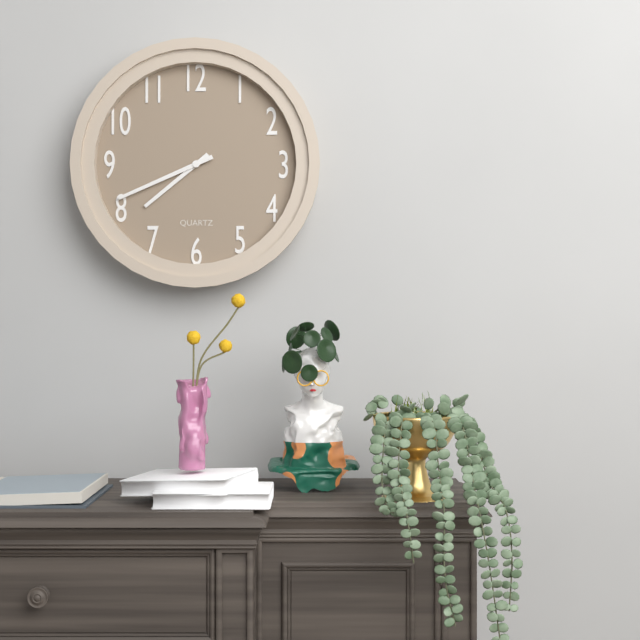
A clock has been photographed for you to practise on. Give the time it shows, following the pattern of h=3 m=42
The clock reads h=7 m=41
